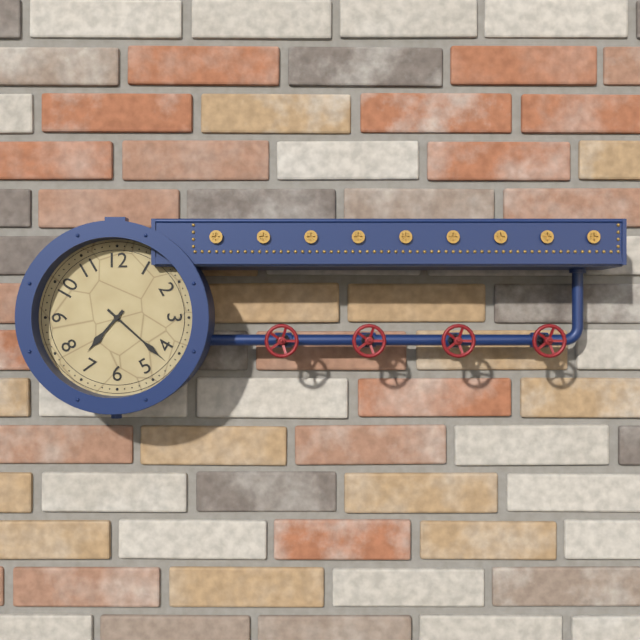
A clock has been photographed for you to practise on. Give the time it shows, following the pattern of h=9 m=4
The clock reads h=7 m=22
